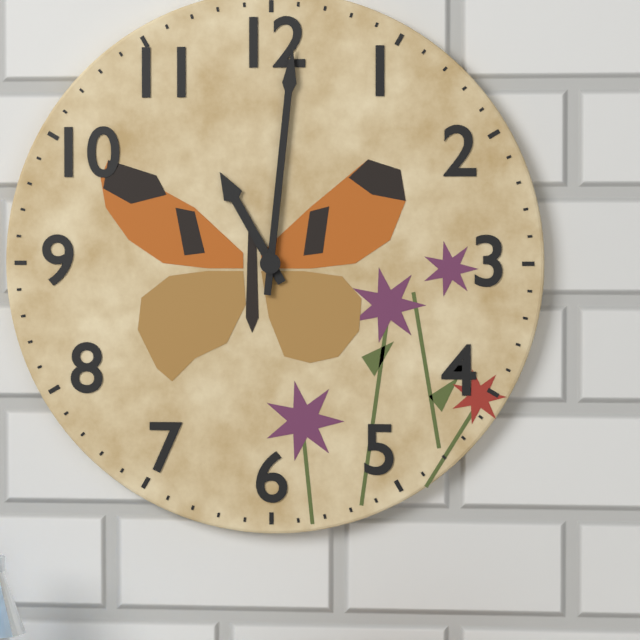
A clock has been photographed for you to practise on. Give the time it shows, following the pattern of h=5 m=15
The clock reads h=11 m=1
